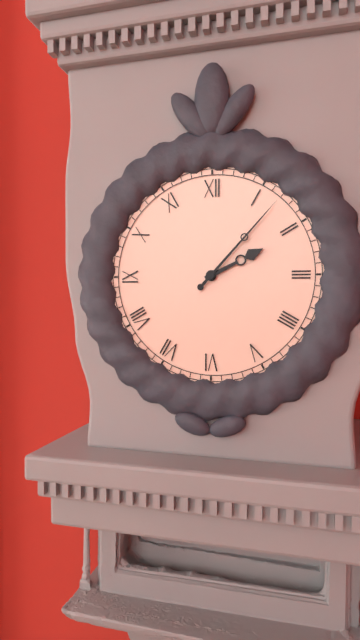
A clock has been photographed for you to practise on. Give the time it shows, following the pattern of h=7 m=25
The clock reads h=2 m=7
